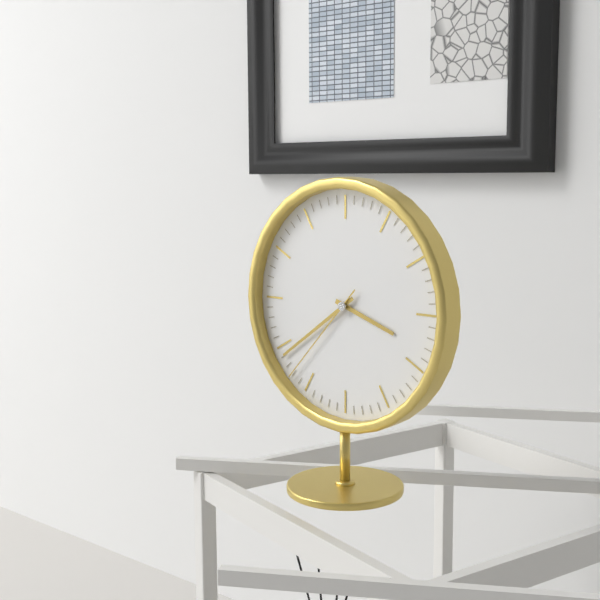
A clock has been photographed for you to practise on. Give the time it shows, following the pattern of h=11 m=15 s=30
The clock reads h=3 m=39 s=37
